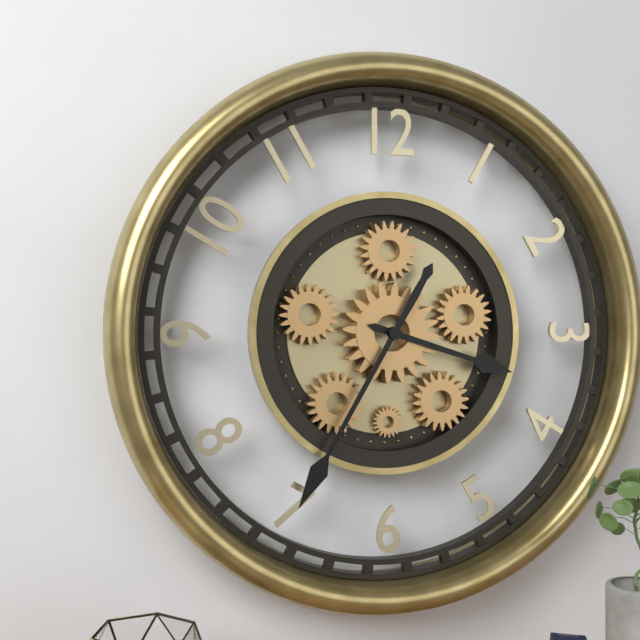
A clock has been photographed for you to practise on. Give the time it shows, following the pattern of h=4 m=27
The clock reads h=3 m=35
